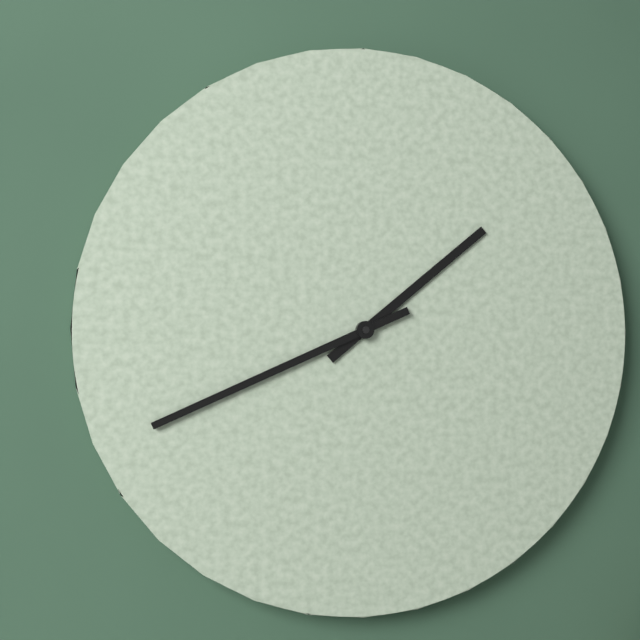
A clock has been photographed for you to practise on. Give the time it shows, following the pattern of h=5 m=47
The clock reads h=1 m=41
